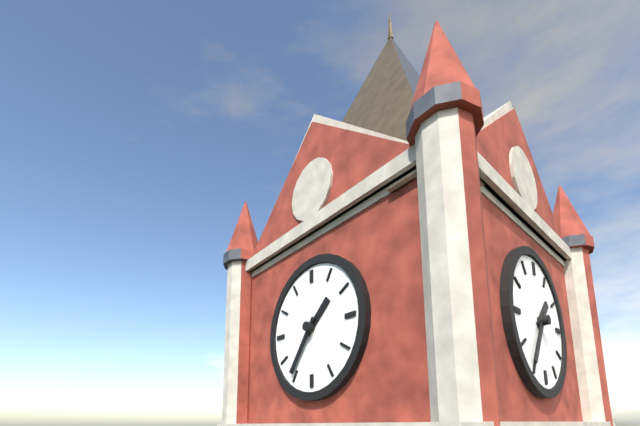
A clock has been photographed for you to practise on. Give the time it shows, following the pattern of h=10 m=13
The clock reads h=1 m=36
